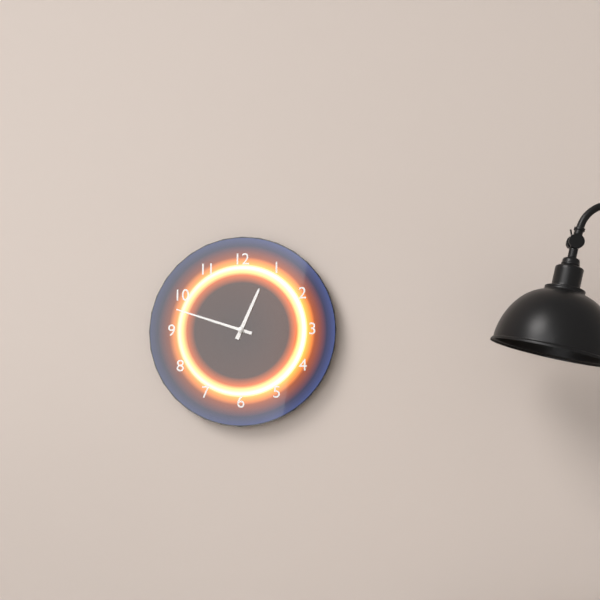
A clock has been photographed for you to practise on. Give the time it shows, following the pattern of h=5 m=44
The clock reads h=12 m=48
